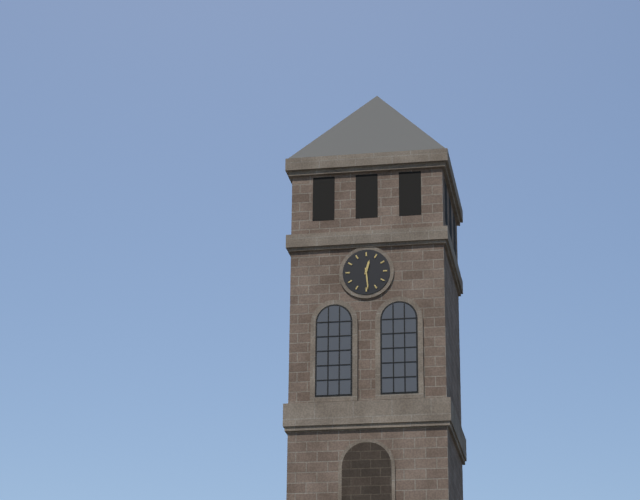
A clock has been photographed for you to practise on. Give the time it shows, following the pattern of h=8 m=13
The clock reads h=12 m=29
